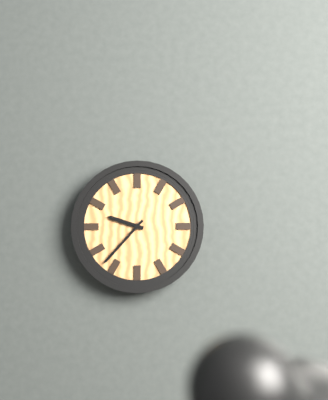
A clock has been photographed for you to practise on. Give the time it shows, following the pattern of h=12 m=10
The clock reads h=9 m=37
